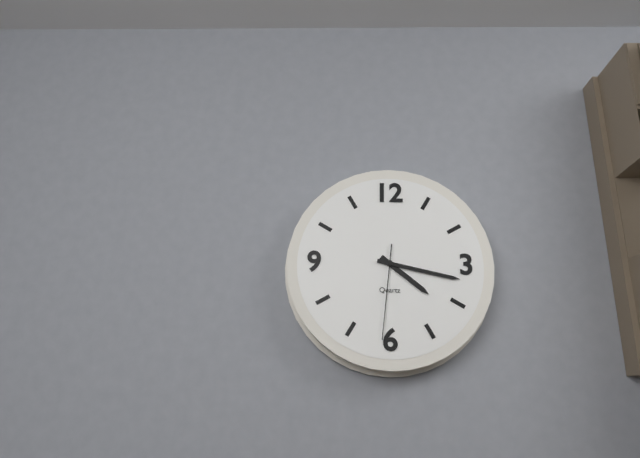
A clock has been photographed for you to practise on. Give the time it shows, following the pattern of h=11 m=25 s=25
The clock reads h=4 m=17 s=31
